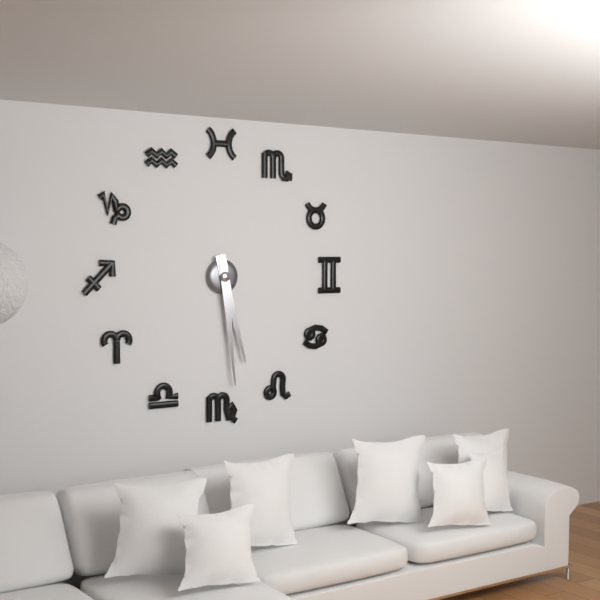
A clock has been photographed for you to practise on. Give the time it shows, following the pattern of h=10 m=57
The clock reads h=5 m=29
